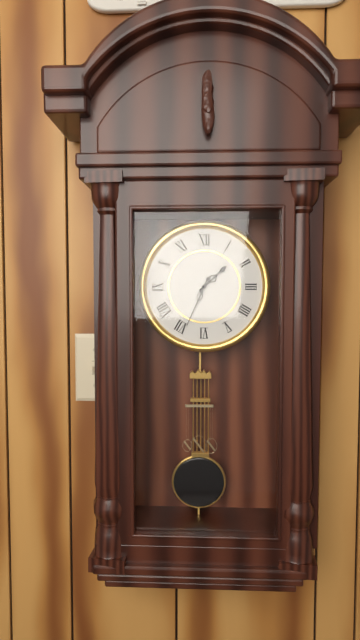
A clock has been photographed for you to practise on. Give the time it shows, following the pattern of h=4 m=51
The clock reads h=1 m=34
